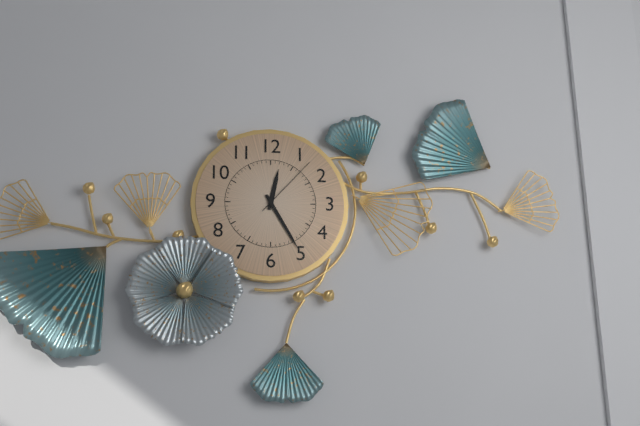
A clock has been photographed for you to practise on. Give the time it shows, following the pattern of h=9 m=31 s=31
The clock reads h=12 m=25 s=7
